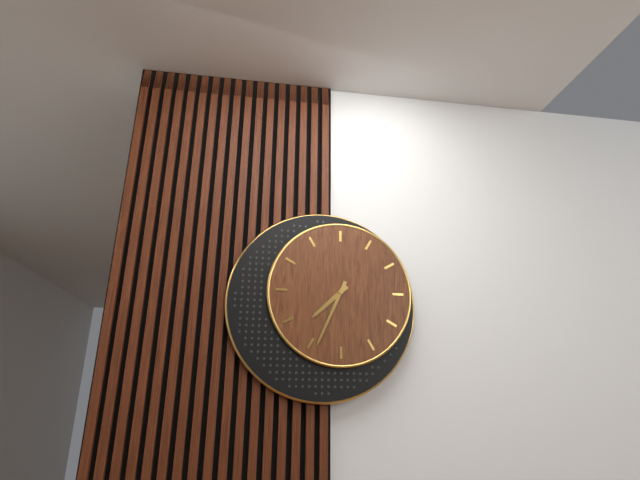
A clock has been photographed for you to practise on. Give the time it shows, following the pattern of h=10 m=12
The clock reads h=7 m=34
